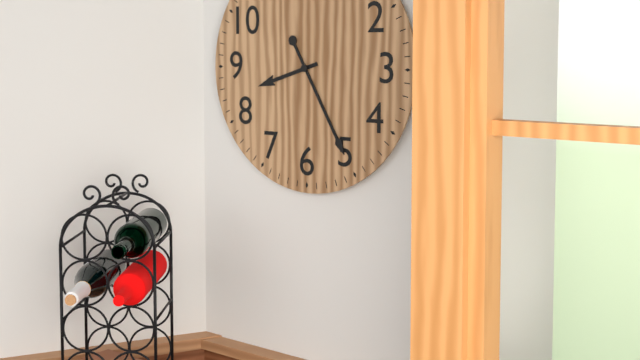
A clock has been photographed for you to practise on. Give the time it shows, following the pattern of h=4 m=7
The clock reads h=8 m=25
